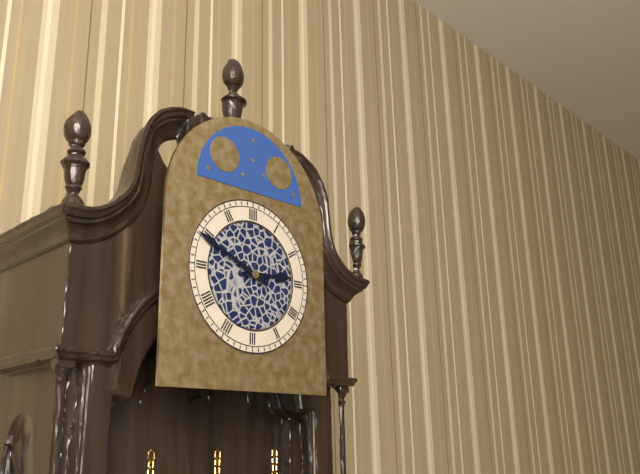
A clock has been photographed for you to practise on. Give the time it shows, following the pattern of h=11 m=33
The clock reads h=2 m=49
